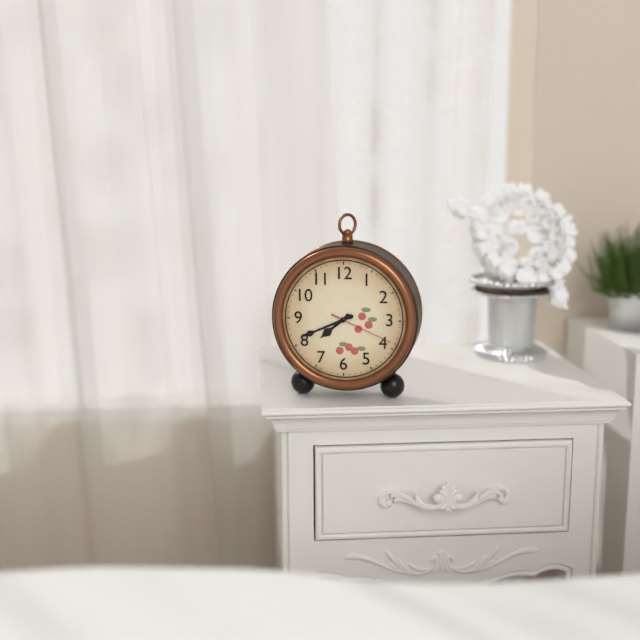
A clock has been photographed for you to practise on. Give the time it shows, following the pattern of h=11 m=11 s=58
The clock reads h=7 m=41 s=19
